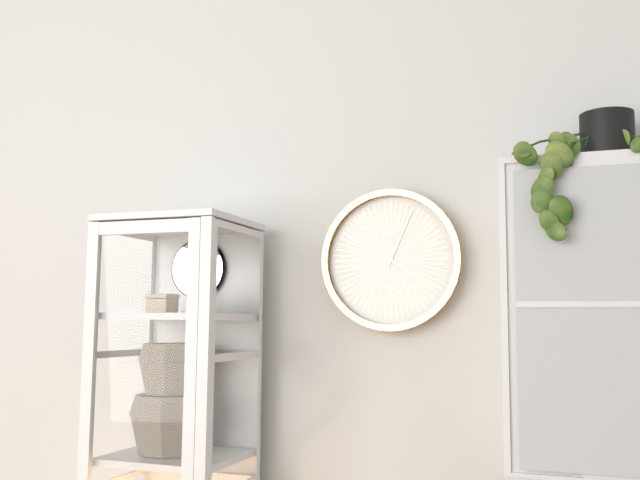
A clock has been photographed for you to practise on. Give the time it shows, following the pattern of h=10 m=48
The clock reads h=4 m=4
